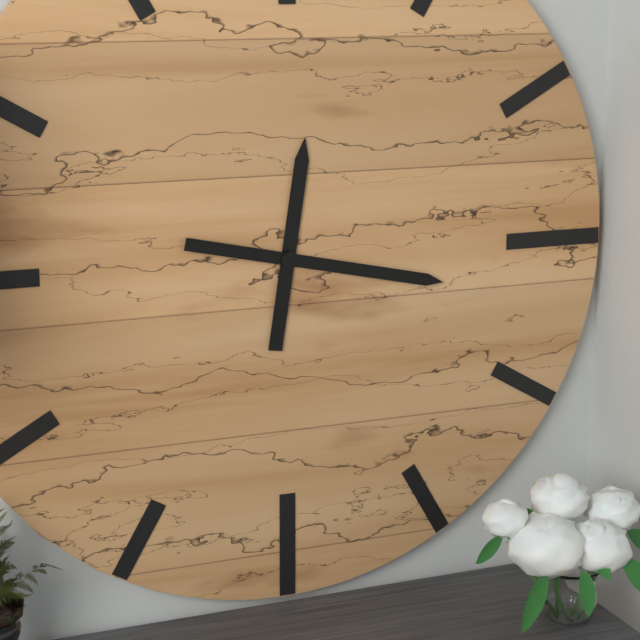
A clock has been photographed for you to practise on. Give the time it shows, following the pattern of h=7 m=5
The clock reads h=12 m=17
